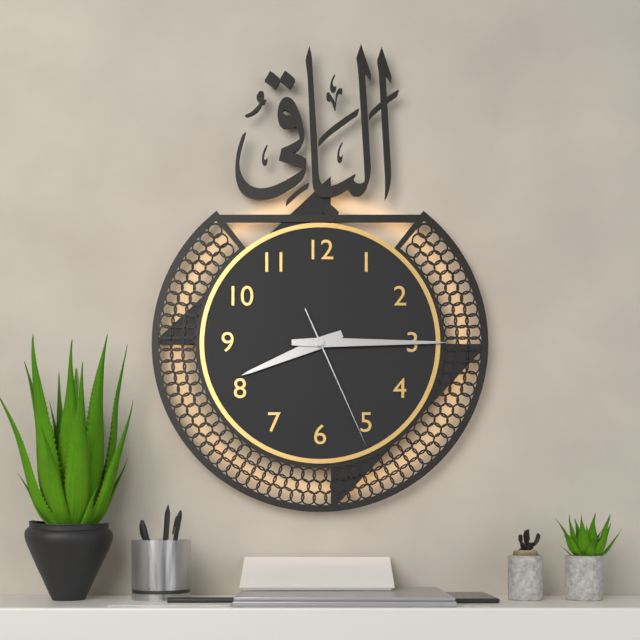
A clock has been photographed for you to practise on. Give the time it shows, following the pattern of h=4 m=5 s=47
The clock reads h=8 m=15 s=26
